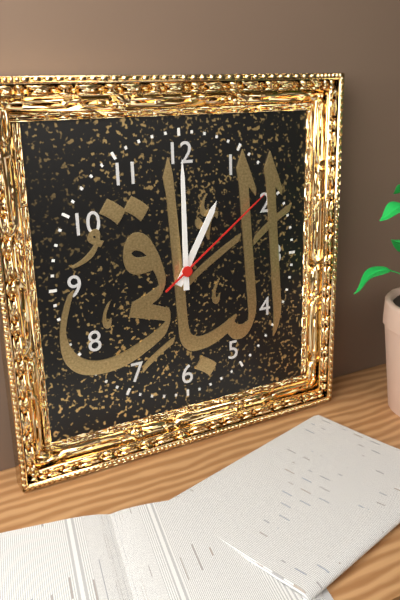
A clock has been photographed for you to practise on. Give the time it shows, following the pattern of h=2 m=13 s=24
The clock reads h=1 m=0 s=9
